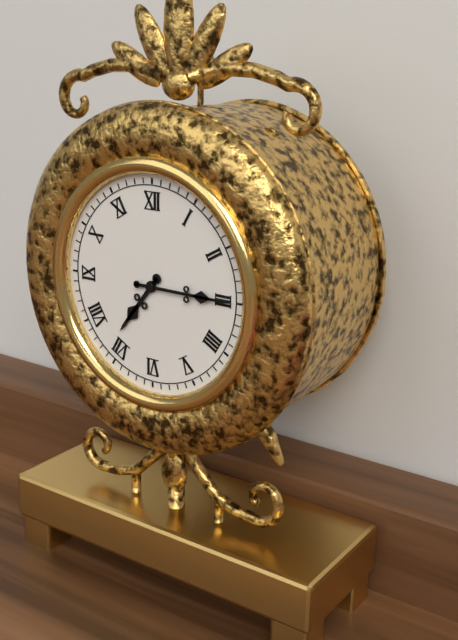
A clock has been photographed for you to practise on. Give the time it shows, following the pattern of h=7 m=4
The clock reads h=7 m=15
